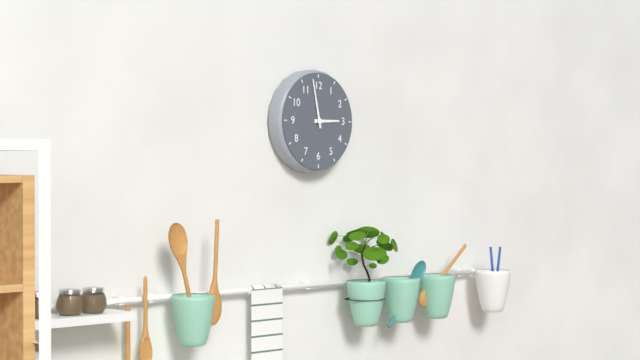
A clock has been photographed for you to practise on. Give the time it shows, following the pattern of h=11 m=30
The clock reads h=2 m=58
